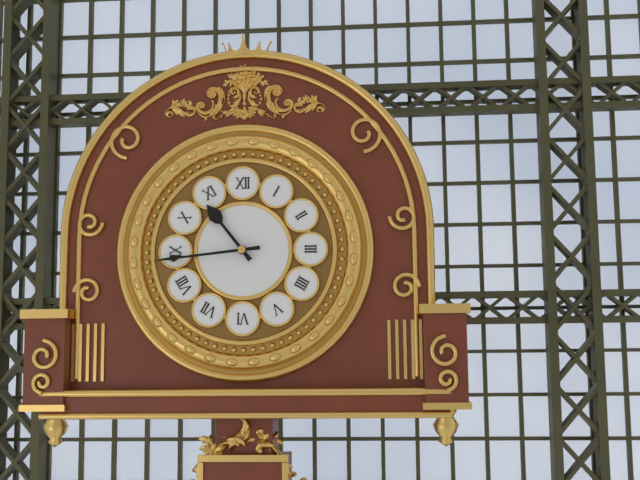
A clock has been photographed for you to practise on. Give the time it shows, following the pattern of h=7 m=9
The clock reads h=10 m=44
